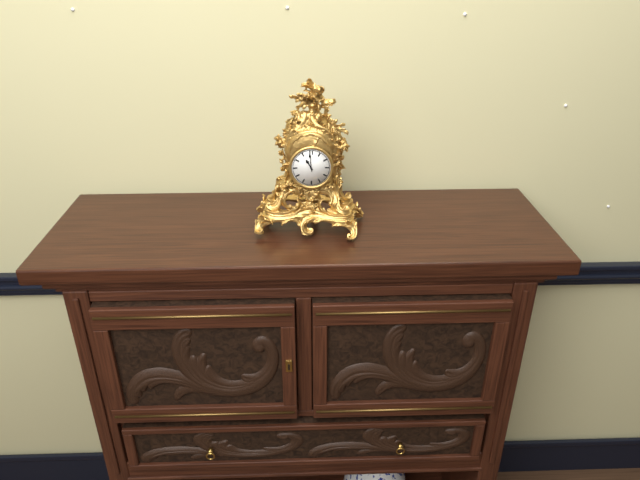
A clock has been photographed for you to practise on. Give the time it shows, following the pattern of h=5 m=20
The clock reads h=10 m=59
